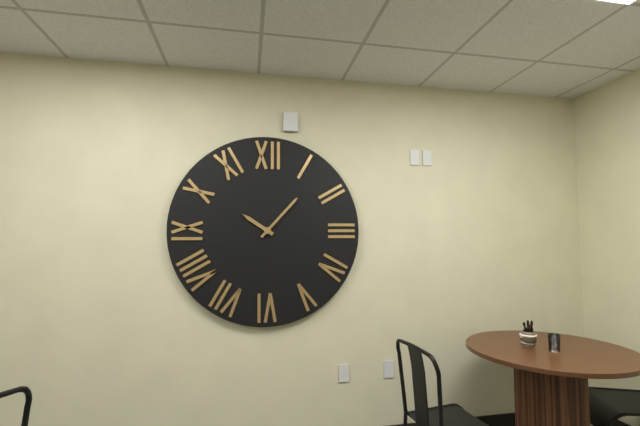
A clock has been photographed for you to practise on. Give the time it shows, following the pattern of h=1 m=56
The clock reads h=10 m=7
